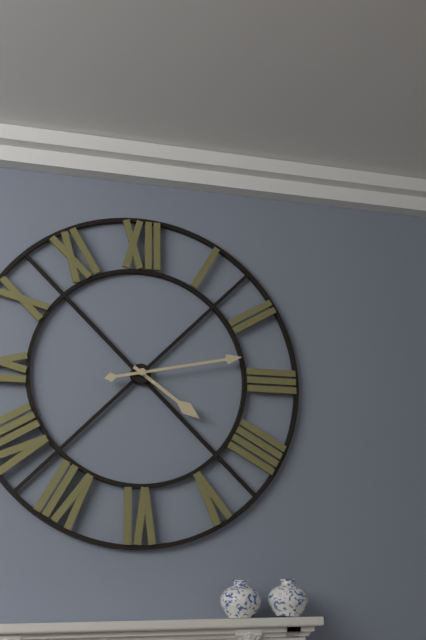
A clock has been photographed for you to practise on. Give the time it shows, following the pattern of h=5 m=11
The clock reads h=4 m=13
